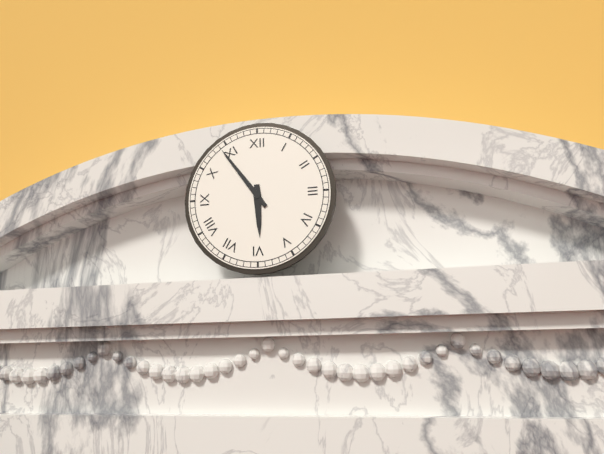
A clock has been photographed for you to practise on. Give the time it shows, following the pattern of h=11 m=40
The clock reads h=5 m=54
